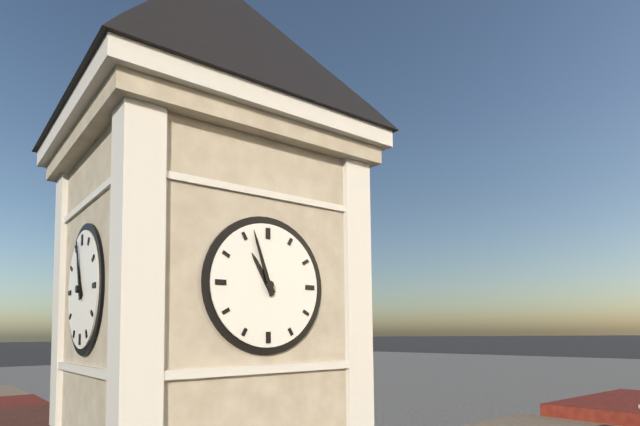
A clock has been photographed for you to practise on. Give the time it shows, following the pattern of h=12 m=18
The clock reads h=10 m=57
